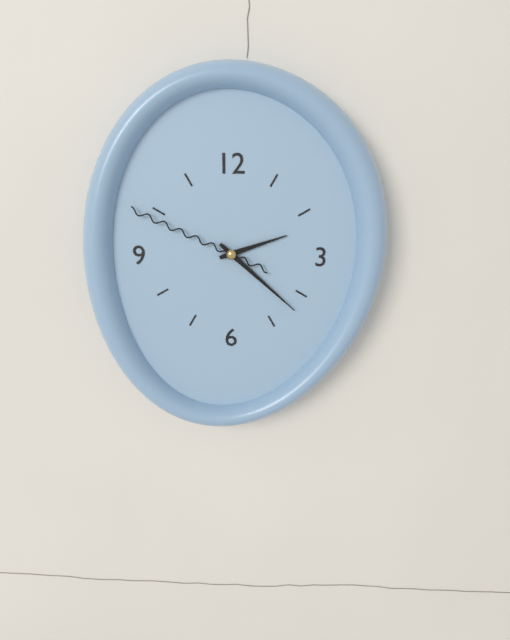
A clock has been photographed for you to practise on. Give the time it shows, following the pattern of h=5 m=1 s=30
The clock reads h=2 m=22 s=49
